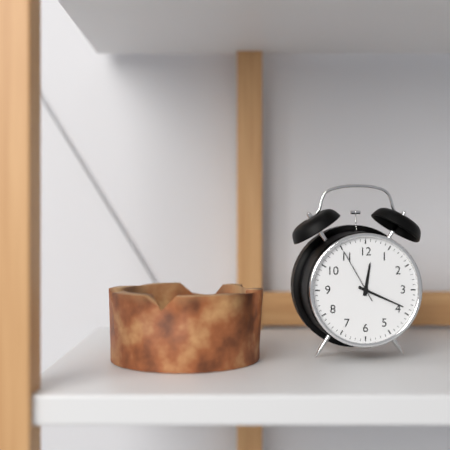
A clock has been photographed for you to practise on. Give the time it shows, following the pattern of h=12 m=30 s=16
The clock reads h=12 m=19 s=55
